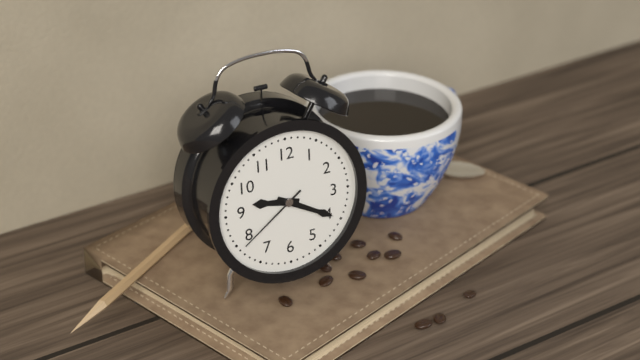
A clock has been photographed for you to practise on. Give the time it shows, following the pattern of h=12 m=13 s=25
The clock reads h=9 m=20 s=39
